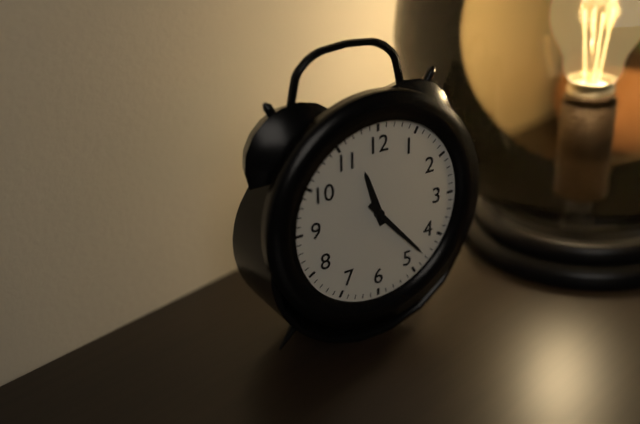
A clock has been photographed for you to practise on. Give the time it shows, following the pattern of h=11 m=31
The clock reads h=11 m=23
